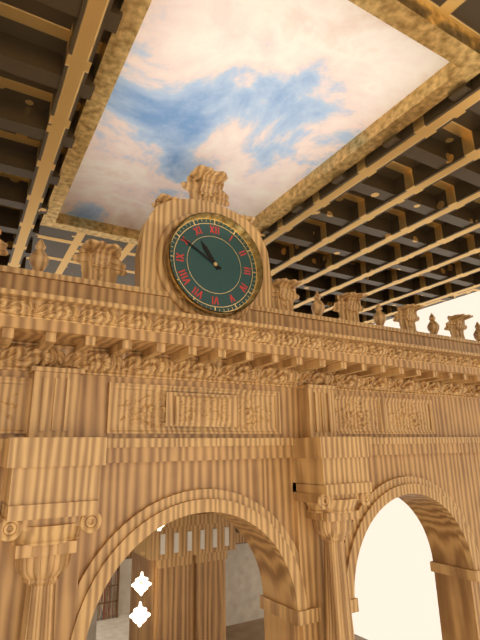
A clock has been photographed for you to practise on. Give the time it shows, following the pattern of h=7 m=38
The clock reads h=10 m=50
